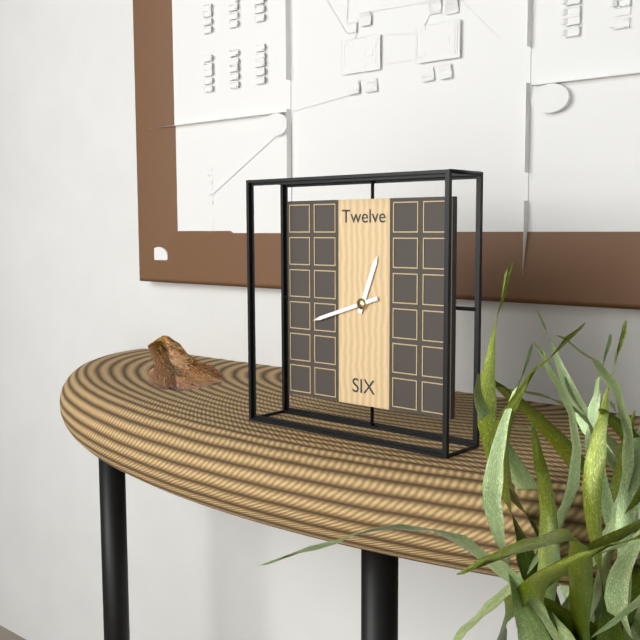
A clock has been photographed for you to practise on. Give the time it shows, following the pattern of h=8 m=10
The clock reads h=12 m=42
